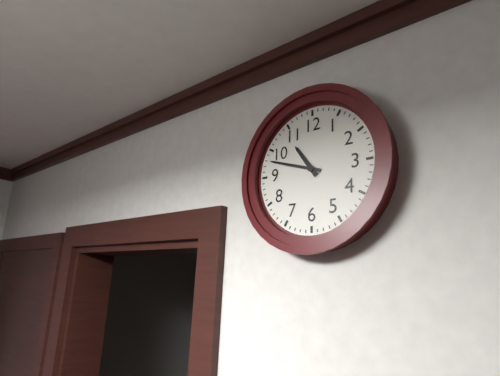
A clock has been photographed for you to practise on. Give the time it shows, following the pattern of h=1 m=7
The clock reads h=10 m=48
